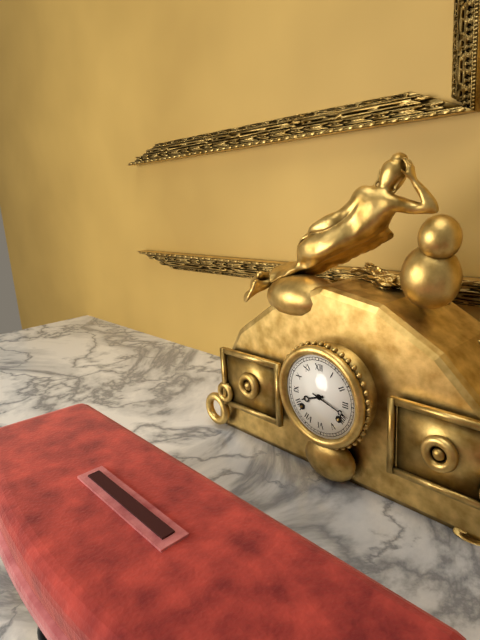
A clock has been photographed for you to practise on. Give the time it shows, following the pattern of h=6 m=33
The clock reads h=8 m=18
